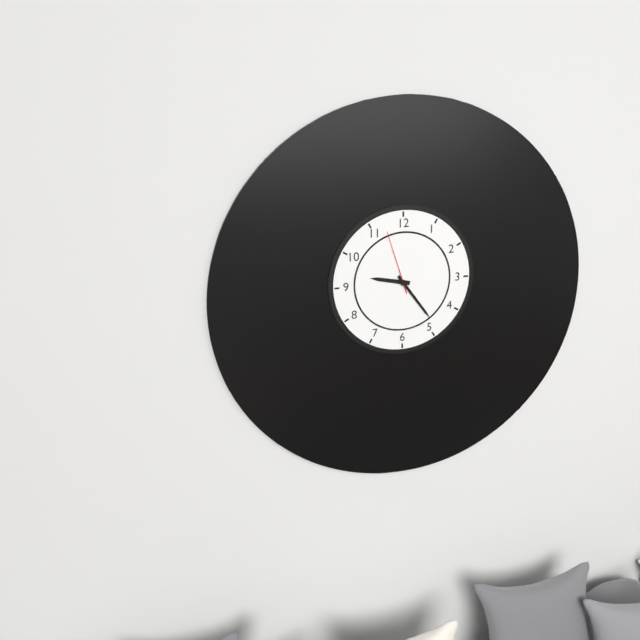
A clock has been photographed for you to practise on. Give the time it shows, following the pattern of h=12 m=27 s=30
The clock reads h=9 m=24 s=57
